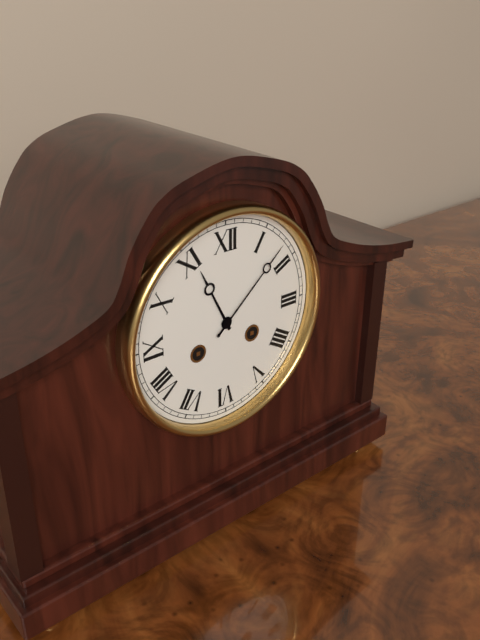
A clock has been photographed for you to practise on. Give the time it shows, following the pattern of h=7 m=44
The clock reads h=11 m=8
